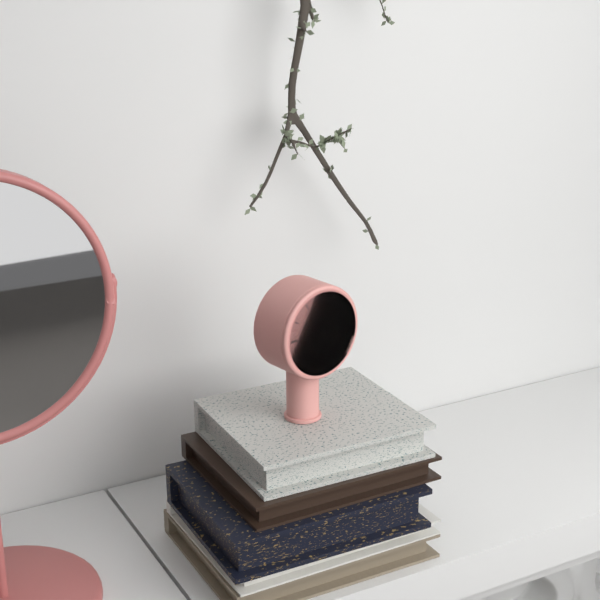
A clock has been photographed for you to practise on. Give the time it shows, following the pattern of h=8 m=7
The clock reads h=11 m=26
